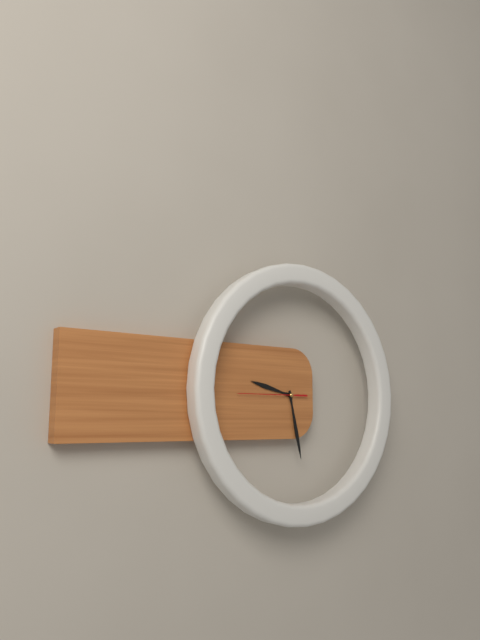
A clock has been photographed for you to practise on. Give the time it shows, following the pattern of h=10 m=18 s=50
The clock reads h=9 m=28 s=45
